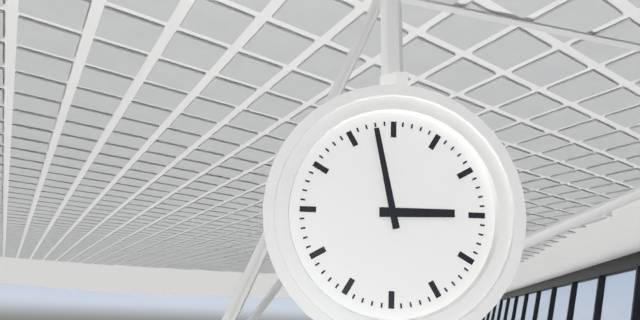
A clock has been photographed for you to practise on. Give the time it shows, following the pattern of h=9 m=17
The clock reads h=2 m=58
